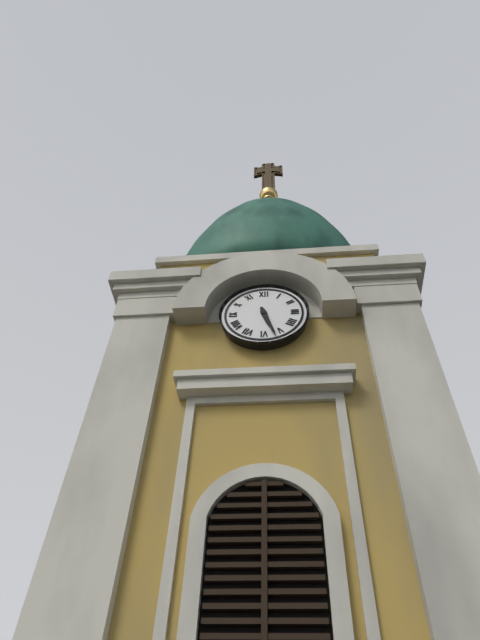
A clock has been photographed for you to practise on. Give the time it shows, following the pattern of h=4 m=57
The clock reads h=5 m=27
